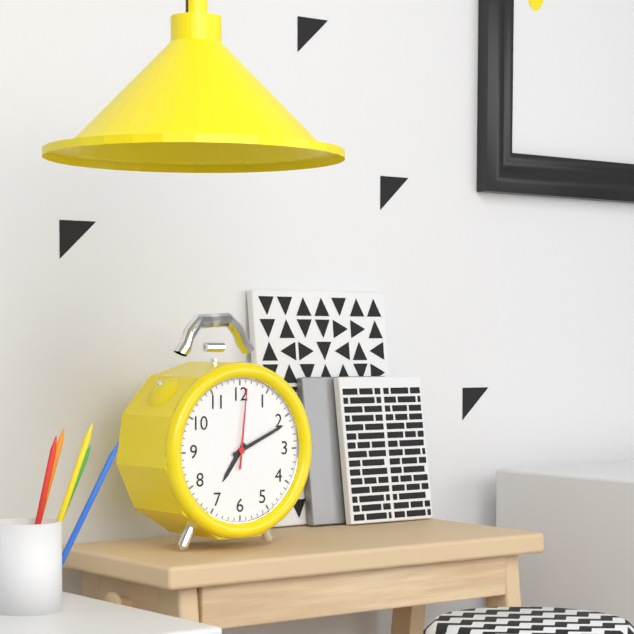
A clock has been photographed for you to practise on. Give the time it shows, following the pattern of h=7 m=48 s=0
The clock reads h=7 m=11 s=1
